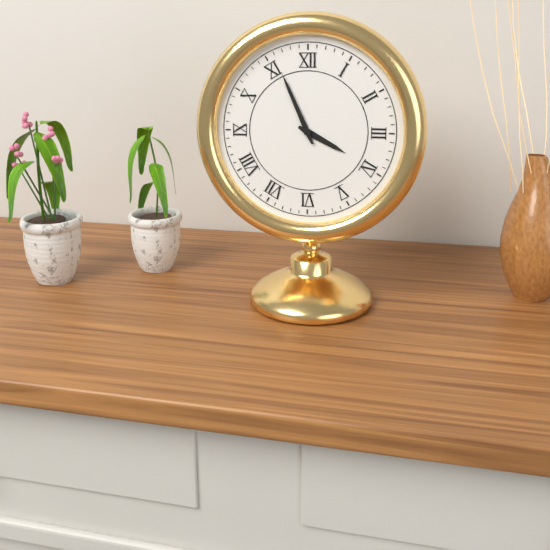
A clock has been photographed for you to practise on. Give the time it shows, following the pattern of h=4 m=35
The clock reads h=3 m=56
